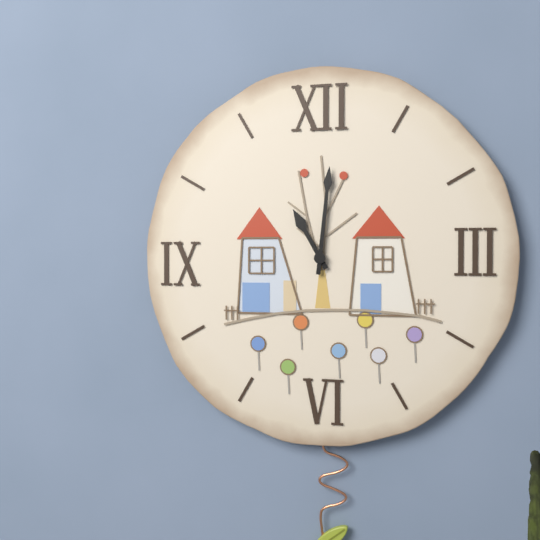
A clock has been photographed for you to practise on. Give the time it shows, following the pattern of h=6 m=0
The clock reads h=11 m=1
